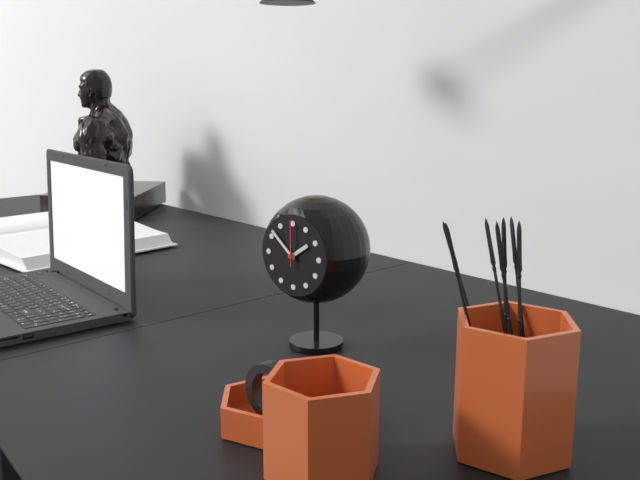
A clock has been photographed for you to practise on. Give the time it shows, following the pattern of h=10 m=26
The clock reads h=1 m=52
